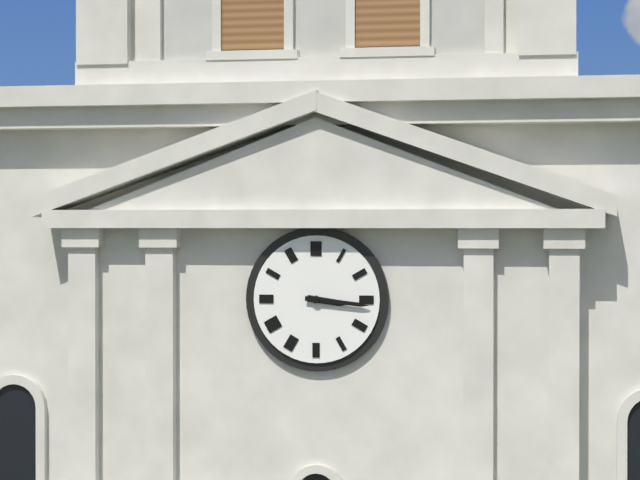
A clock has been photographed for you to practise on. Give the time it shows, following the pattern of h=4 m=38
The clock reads h=3 m=16
